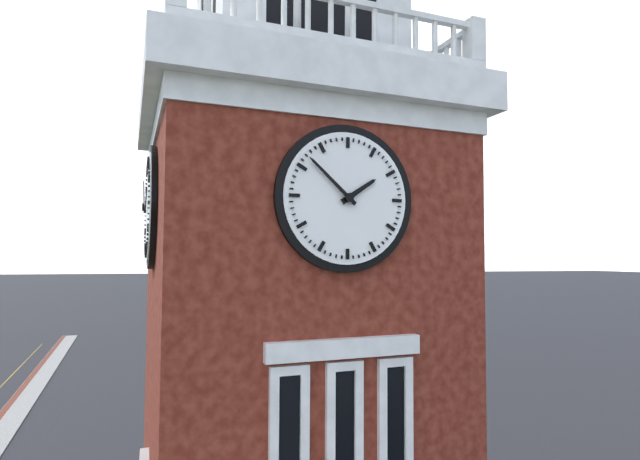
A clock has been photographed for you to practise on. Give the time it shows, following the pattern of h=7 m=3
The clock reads h=1 m=52
